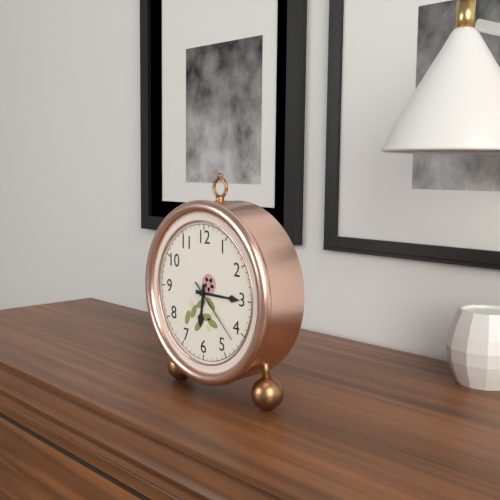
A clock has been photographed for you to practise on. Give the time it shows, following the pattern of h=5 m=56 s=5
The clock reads h=6 m=15 s=22
